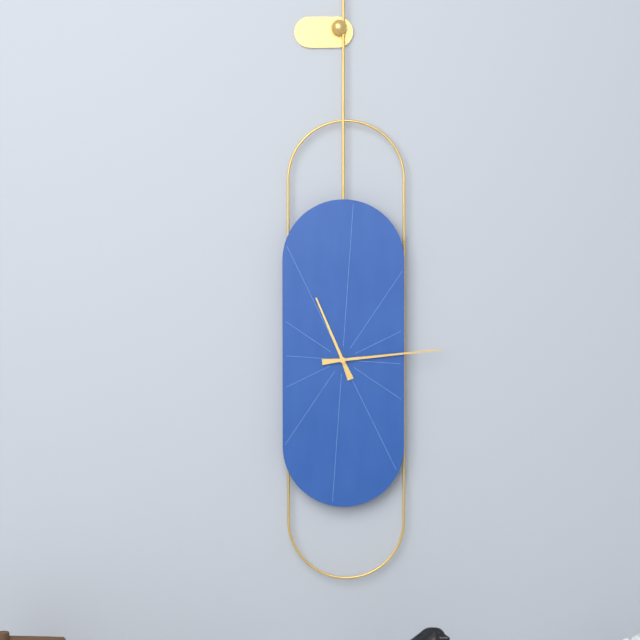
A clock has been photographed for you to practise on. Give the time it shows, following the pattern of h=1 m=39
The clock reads h=11 m=14
